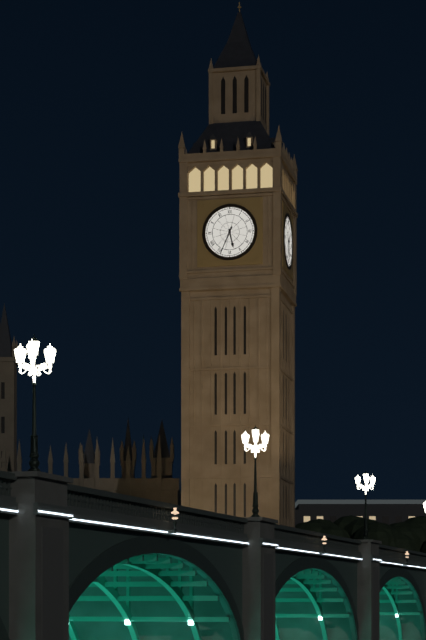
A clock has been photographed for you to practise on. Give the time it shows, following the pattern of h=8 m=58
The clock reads h=5 m=34
